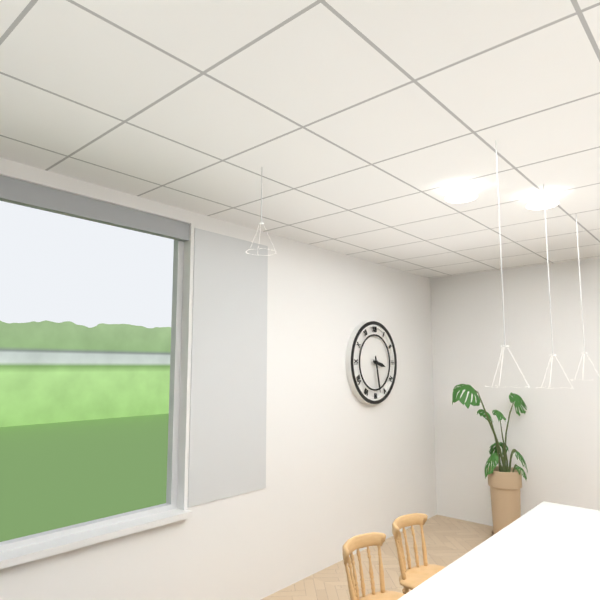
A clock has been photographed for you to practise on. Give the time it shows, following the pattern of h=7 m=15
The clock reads h=3 m=28
